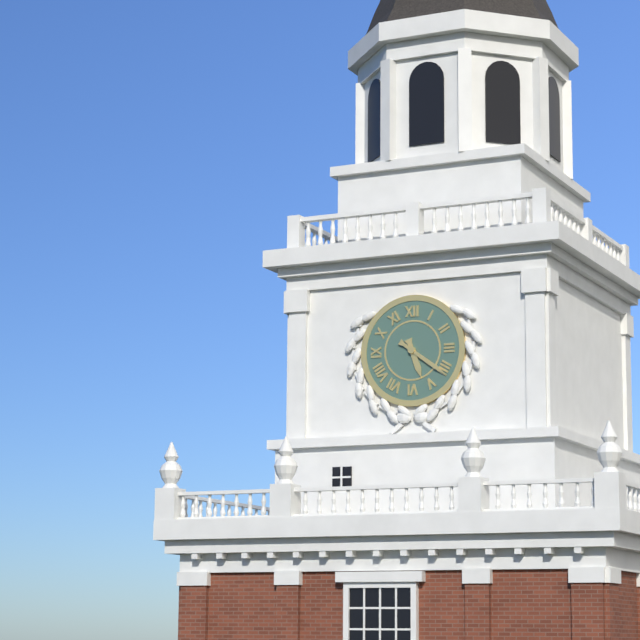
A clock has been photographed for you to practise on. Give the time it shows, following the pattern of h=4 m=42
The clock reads h=5 m=21
